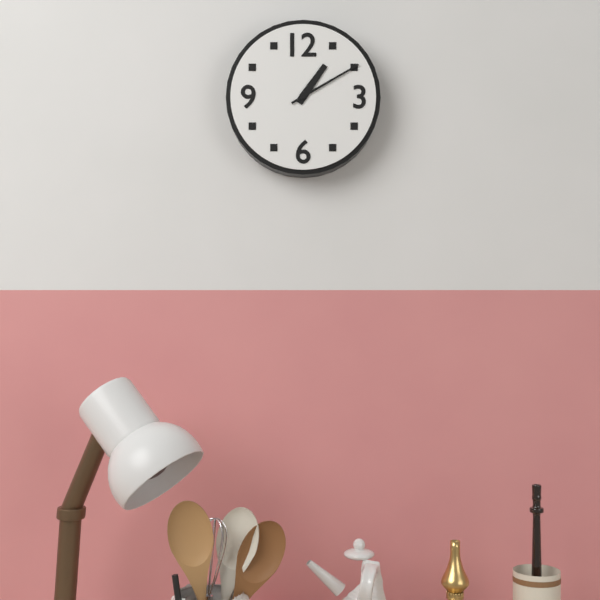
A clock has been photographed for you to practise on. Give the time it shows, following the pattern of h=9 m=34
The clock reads h=1 m=10
